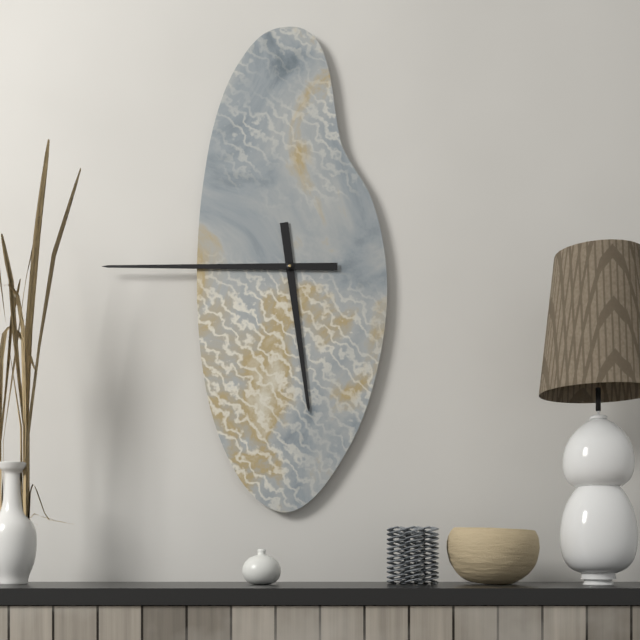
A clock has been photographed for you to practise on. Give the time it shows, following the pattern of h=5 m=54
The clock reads h=5 m=45
